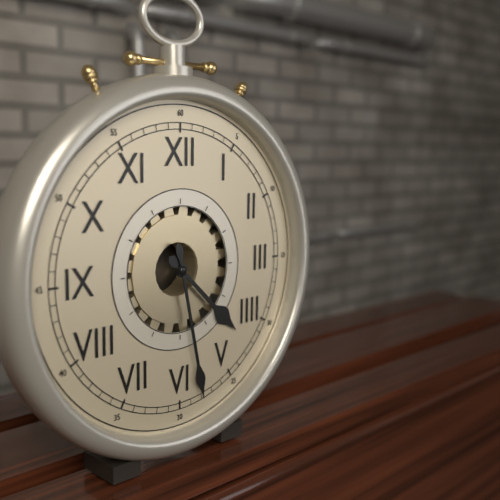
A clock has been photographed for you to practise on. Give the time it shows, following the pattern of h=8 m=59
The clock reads h=4 m=28
